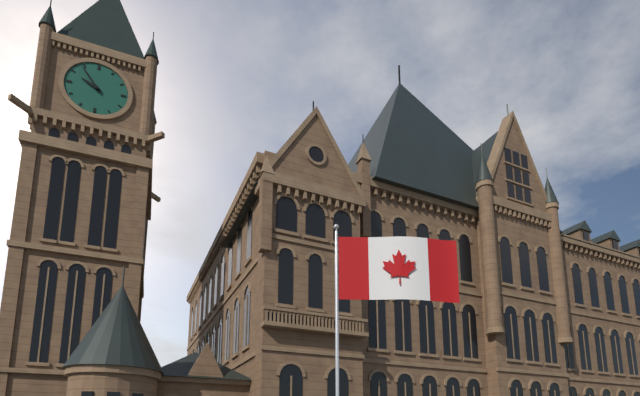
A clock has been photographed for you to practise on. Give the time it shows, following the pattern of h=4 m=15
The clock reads h=9 m=54
